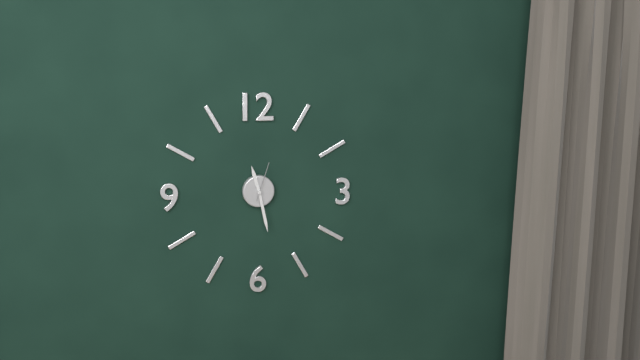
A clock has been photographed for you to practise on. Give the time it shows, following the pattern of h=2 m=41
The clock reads h=11 m=28
